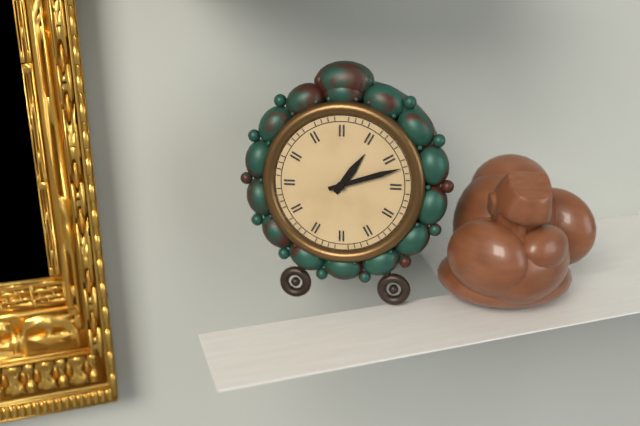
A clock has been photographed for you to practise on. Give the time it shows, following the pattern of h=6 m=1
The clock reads h=1 m=12
